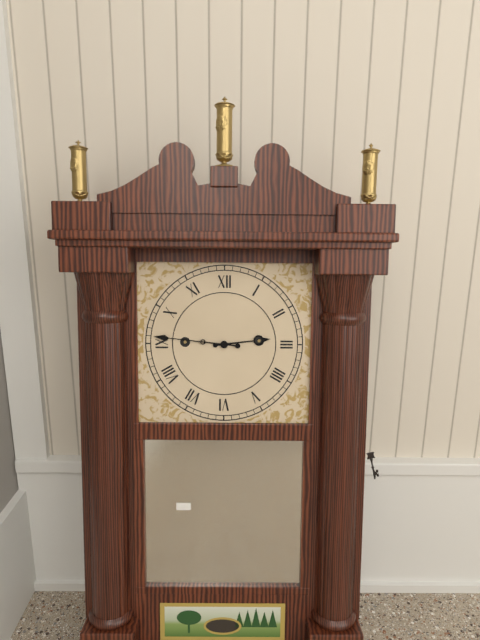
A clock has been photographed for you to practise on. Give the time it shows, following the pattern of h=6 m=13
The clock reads h=2 m=46
